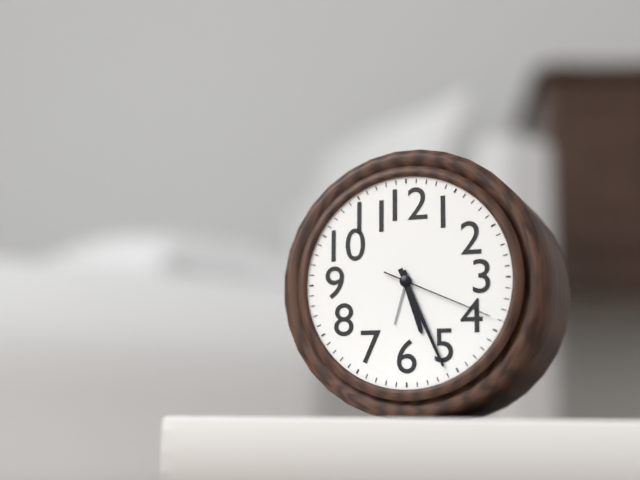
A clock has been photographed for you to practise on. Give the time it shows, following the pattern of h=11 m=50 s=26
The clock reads h=5 m=26 s=19
